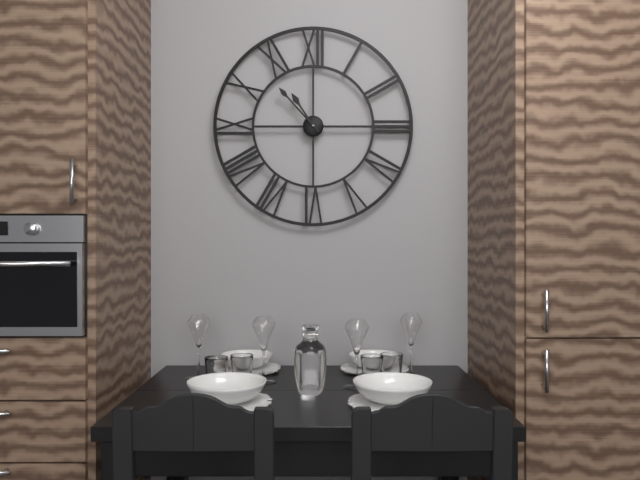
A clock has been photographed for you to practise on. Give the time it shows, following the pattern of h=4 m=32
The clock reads h=10 m=53
